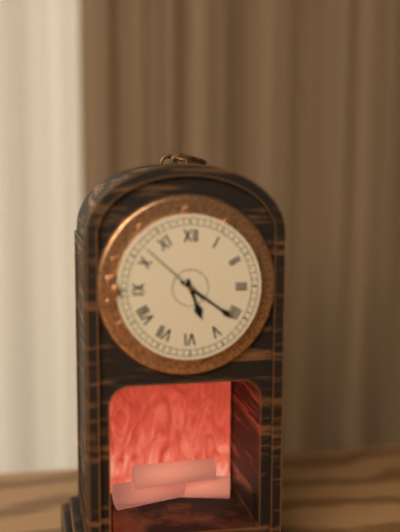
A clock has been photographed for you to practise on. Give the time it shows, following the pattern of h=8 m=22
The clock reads h=5 m=21
